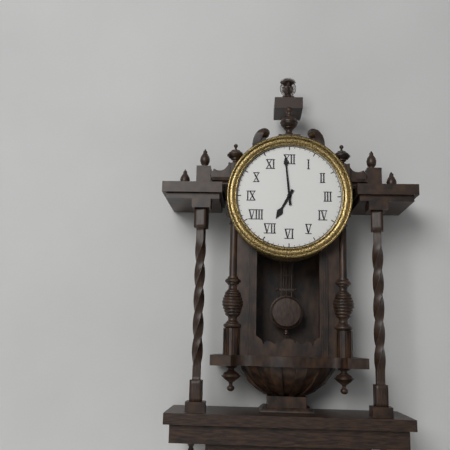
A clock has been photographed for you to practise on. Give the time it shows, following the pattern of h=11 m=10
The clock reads h=6 m=59
